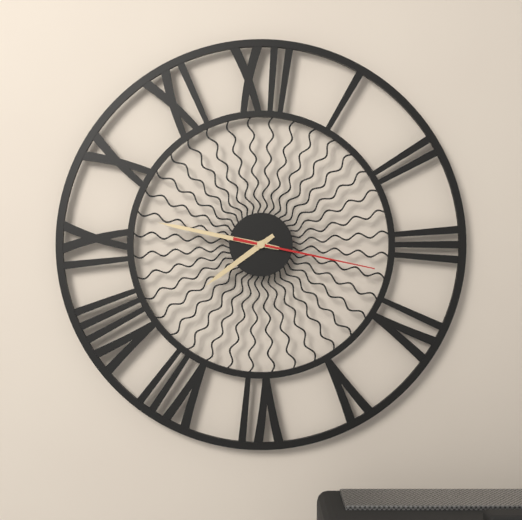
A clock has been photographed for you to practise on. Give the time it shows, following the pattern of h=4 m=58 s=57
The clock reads h=7 m=47 s=17
